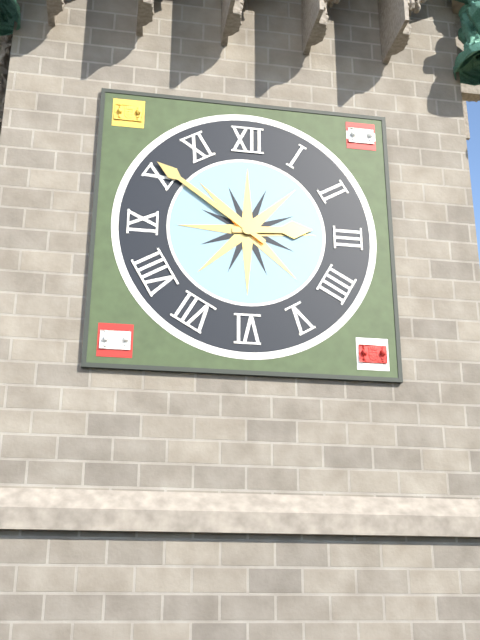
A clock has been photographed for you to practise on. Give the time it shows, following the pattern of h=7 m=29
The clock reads h=2 m=51
